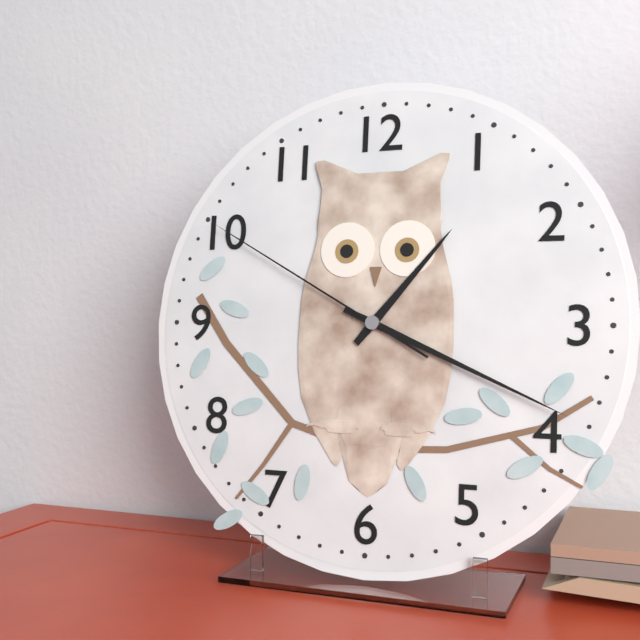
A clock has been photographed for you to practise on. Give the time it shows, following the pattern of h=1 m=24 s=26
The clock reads h=1 m=19 s=50
